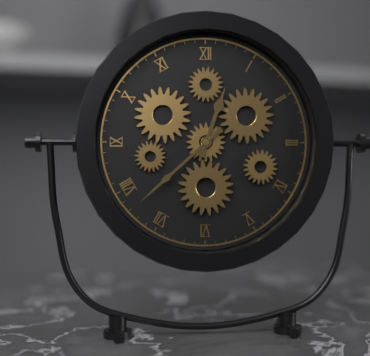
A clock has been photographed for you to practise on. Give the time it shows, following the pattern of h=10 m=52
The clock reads h=12 m=38
